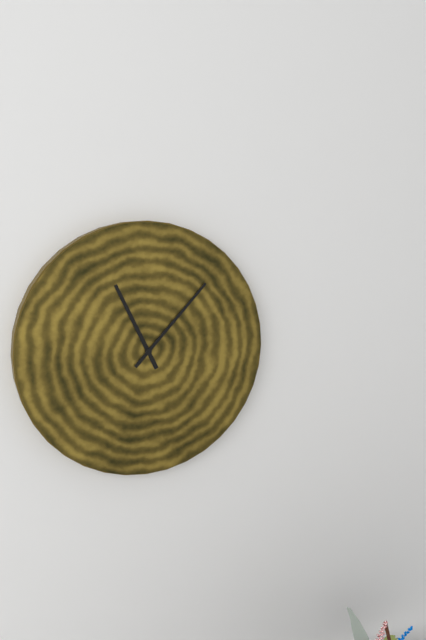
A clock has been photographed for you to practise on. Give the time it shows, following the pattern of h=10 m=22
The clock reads h=11 m=7
